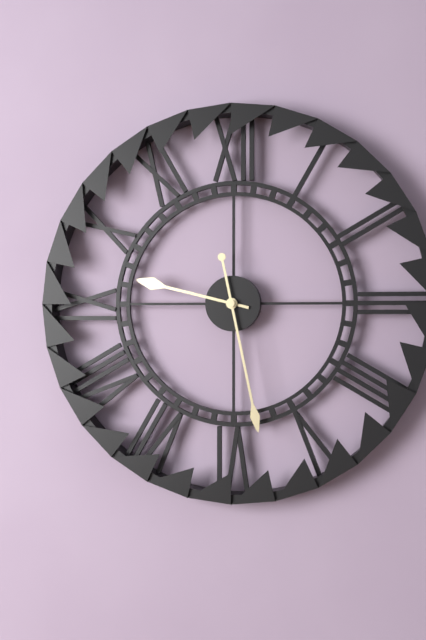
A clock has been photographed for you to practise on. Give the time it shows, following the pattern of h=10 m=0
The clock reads h=9 m=28
